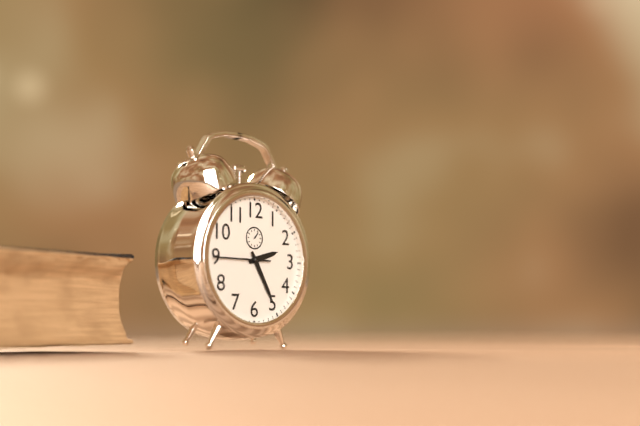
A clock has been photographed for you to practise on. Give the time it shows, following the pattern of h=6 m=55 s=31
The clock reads h=2 m=25 s=45
